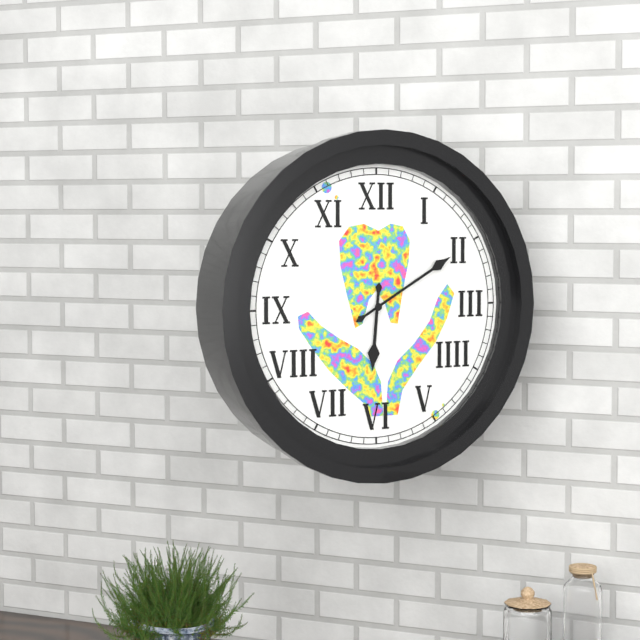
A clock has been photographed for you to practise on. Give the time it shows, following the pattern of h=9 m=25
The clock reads h=6 m=10
